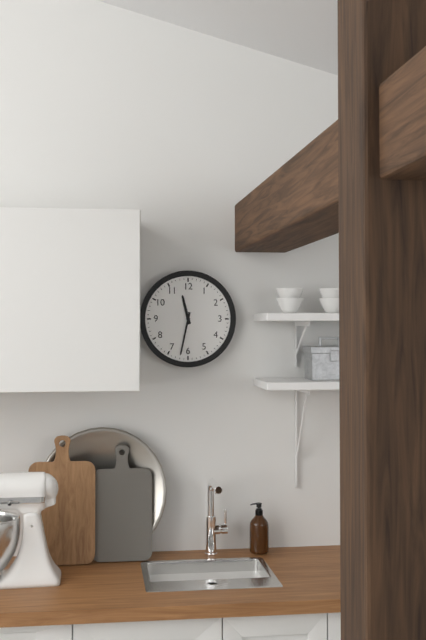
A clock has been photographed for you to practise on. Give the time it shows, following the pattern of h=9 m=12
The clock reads h=11 m=32
